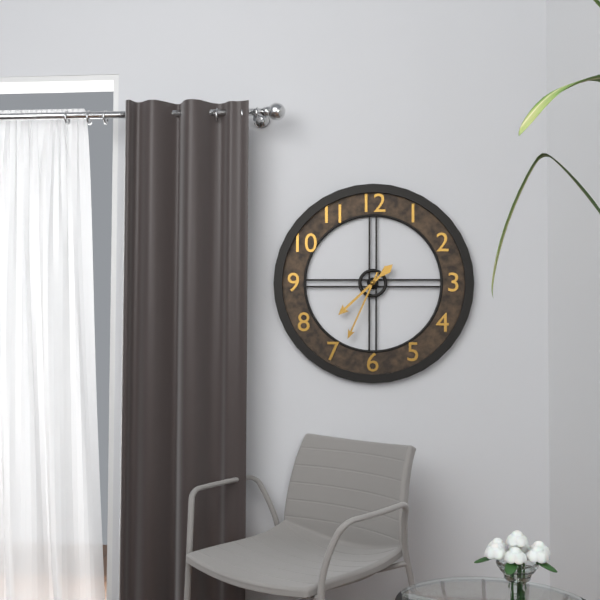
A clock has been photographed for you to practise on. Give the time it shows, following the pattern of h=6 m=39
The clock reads h=7 m=34
